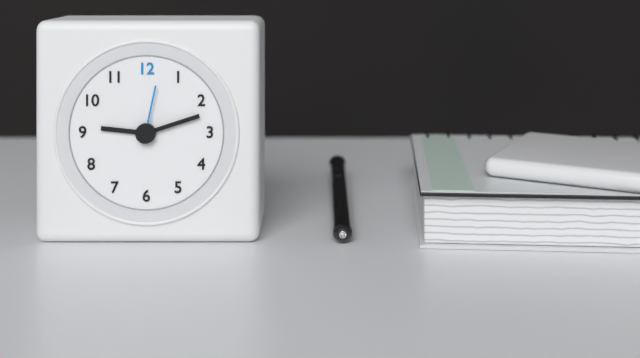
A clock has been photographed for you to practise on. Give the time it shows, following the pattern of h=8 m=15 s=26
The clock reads h=9 m=12 s=2
